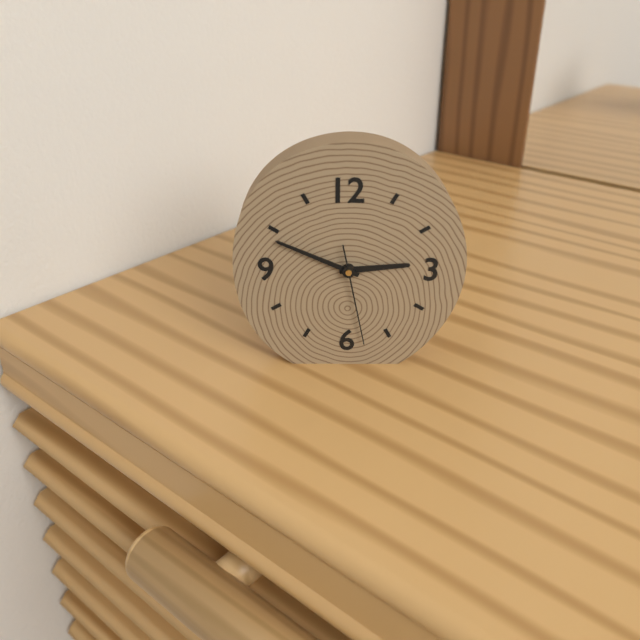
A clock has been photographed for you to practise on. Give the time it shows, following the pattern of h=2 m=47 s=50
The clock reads h=2 m=49 s=28
